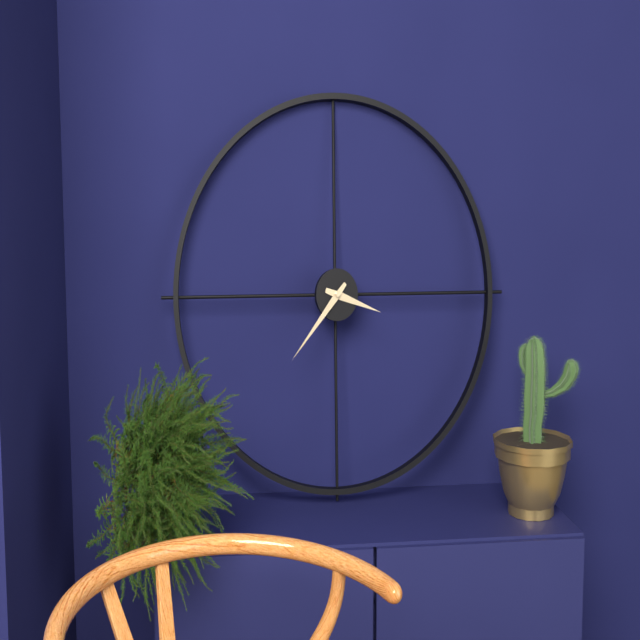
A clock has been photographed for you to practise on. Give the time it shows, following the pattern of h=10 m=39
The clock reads h=3 m=37
